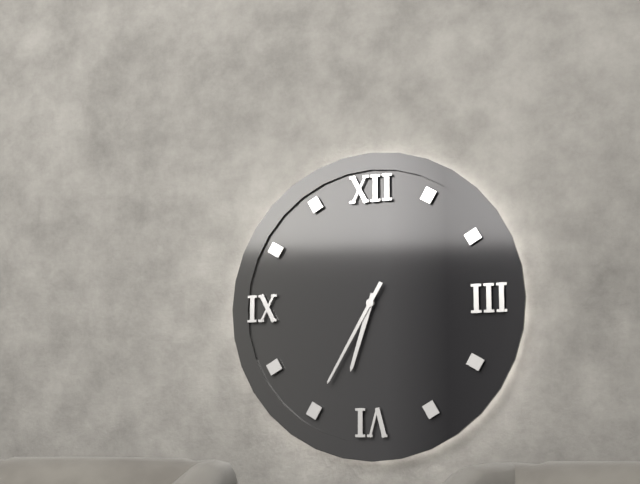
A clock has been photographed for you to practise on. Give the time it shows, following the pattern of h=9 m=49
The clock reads h=6 m=35
